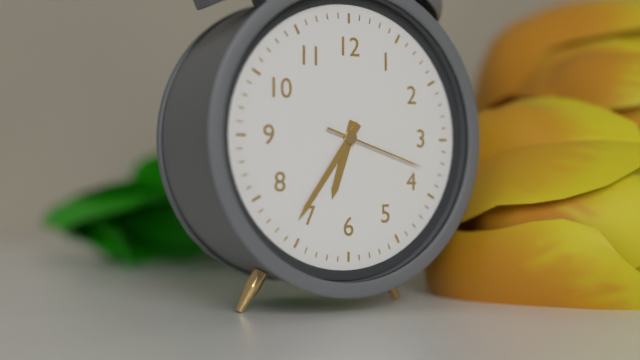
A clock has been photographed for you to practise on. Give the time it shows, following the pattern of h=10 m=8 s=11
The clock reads h=6 m=36 s=18
